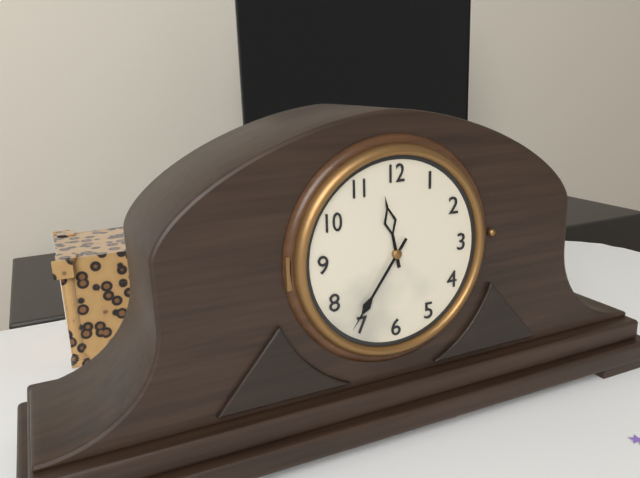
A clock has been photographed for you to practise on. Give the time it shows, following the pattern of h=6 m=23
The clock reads h=11 m=36
